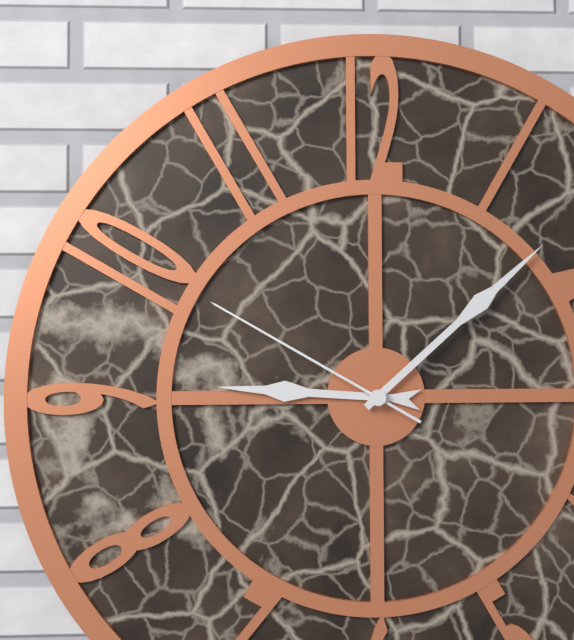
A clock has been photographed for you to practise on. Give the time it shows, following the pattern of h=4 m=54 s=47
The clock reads h=9 m=8 s=50
